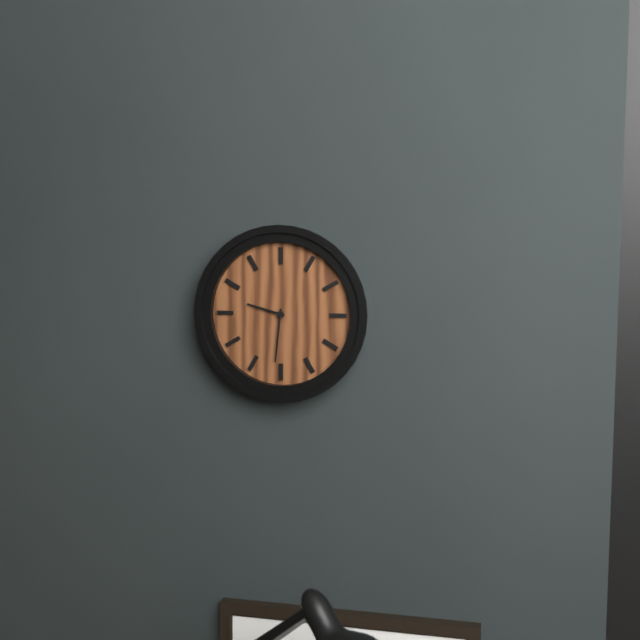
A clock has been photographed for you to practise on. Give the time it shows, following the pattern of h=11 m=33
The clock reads h=9 m=31
